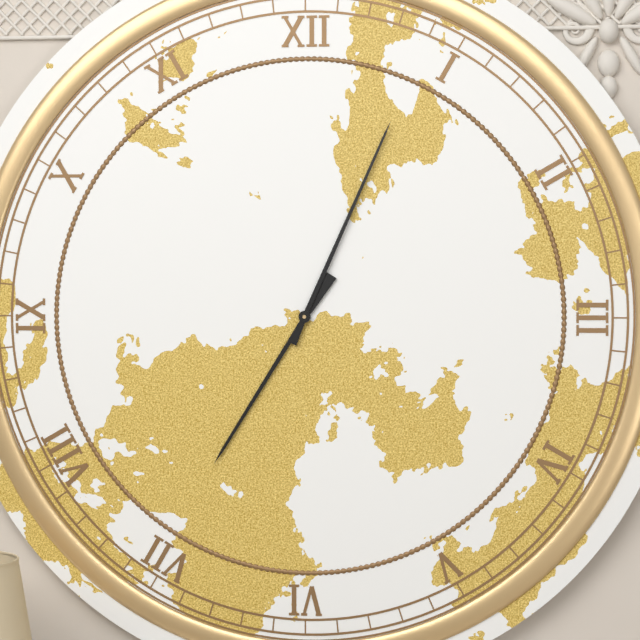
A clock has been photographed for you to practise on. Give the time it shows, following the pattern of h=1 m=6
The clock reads h=7 m=4
